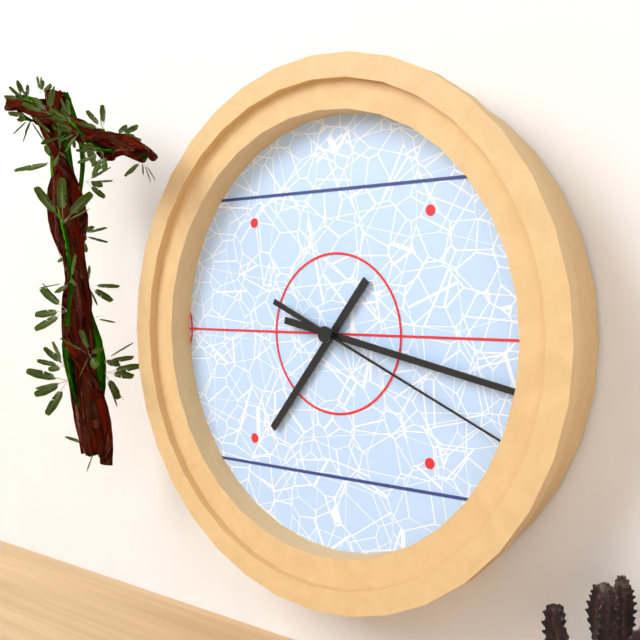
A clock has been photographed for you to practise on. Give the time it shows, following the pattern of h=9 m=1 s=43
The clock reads h=7 m=17 s=19
